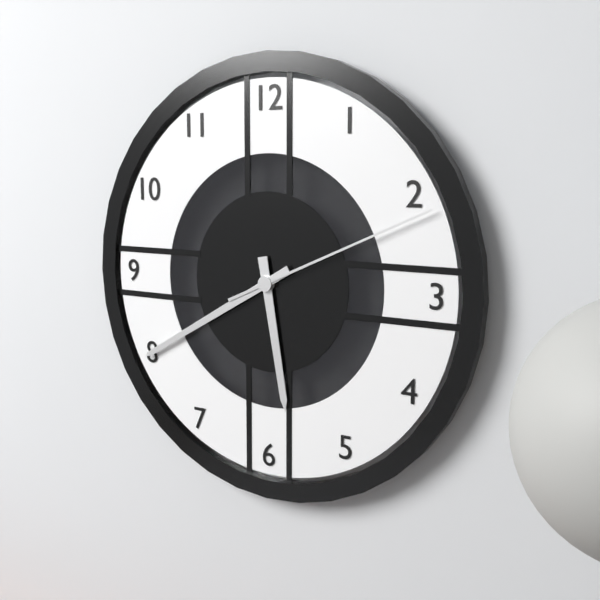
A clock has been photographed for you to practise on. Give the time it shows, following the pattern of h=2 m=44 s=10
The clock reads h=5 m=40 s=11
